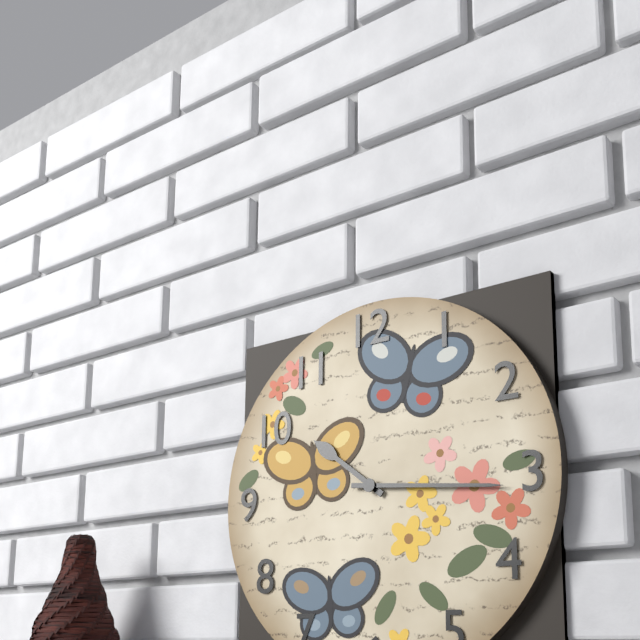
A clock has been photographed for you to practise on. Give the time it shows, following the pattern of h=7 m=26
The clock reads h=10 m=16
